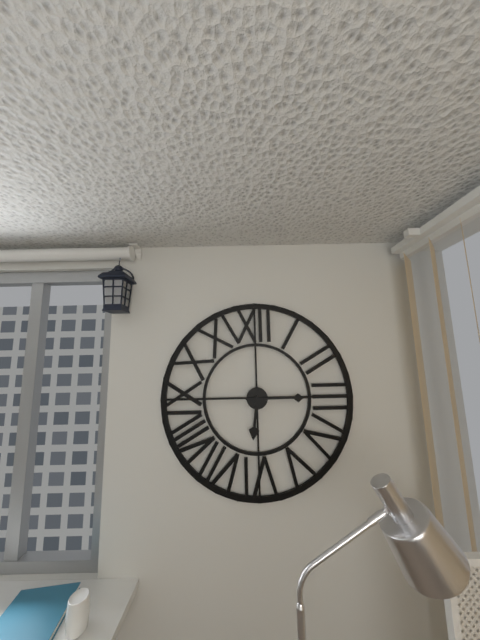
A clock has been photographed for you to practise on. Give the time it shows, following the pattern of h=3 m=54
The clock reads h=6 m=15
